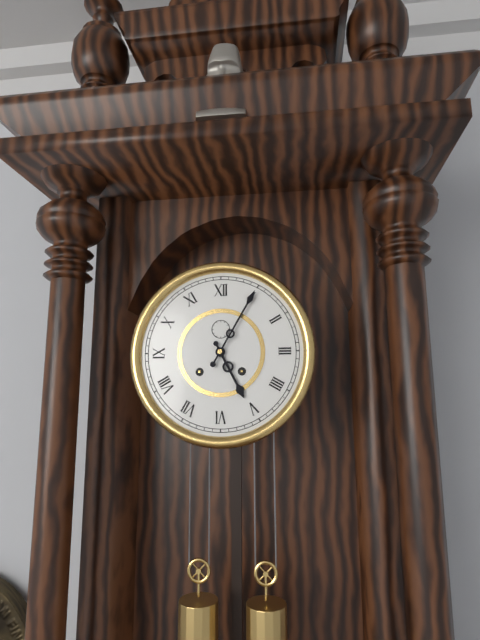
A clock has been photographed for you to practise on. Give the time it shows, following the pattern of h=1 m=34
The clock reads h=5 m=5
